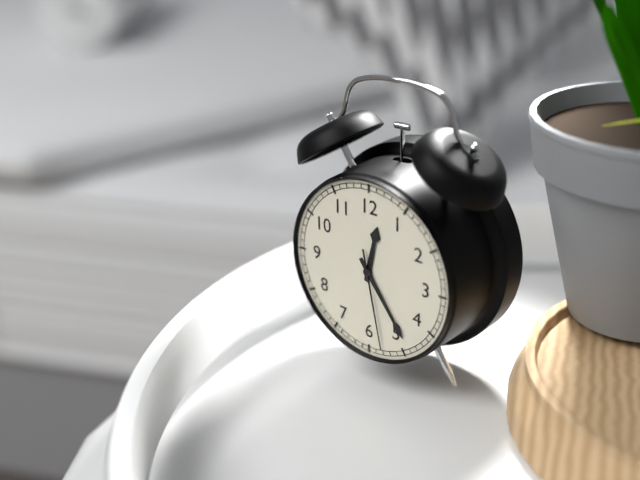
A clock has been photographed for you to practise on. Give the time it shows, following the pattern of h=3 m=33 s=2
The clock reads h=12 m=24 s=28
